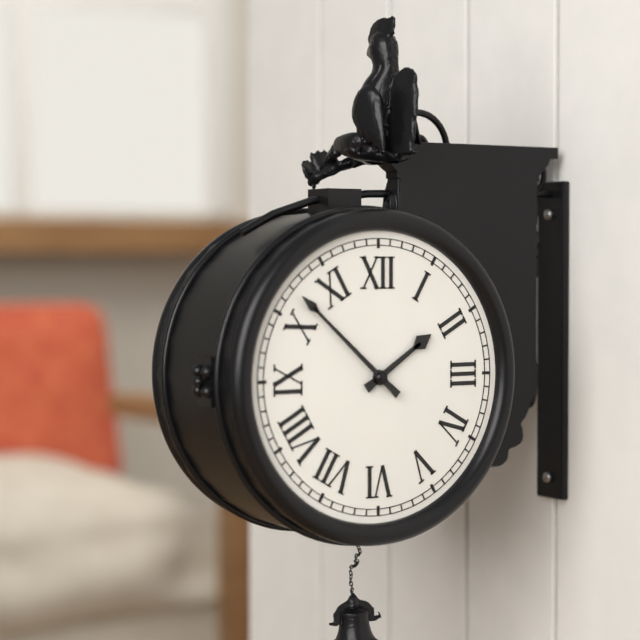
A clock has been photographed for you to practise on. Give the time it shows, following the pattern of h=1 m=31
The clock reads h=1 m=52
